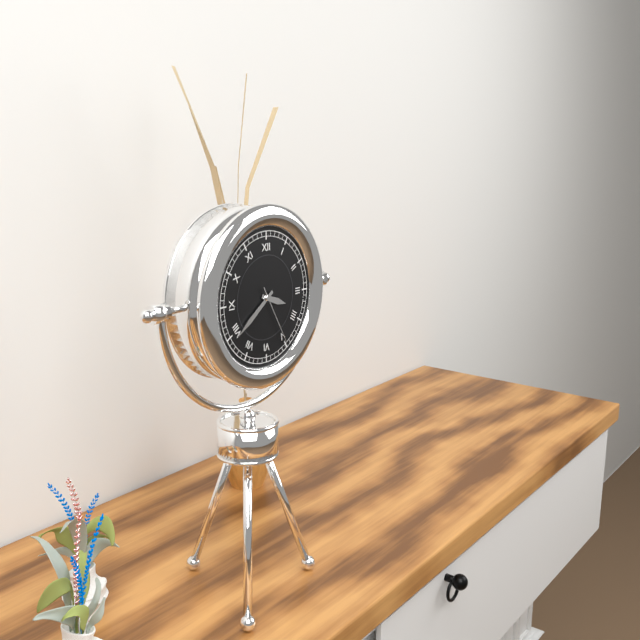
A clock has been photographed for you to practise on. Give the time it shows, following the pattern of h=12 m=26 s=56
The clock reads h=3 m=39 s=25
